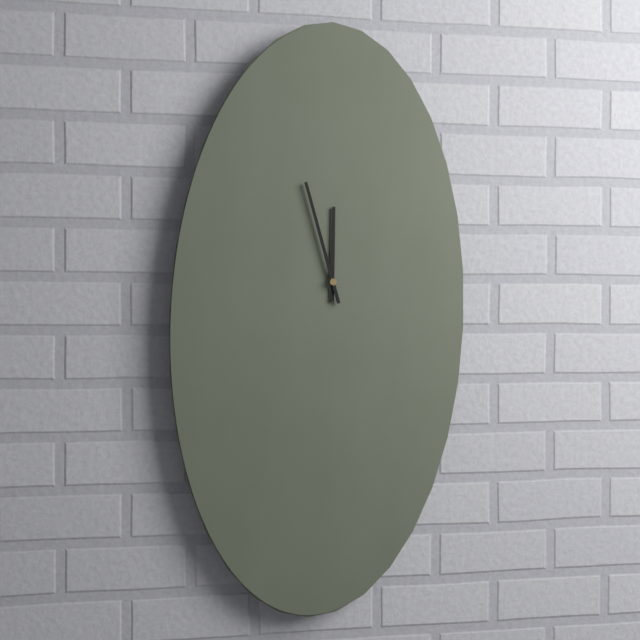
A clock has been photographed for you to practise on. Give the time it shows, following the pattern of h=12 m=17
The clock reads h=11 m=57
